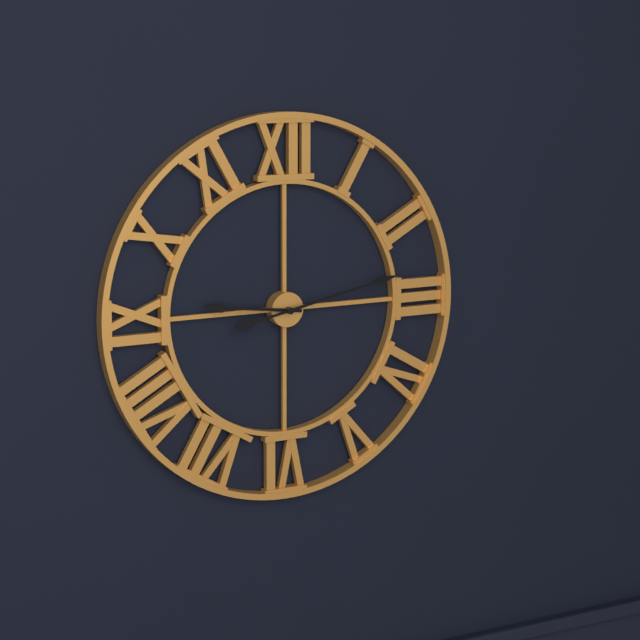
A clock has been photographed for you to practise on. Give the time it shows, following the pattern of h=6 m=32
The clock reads h=9 m=13
